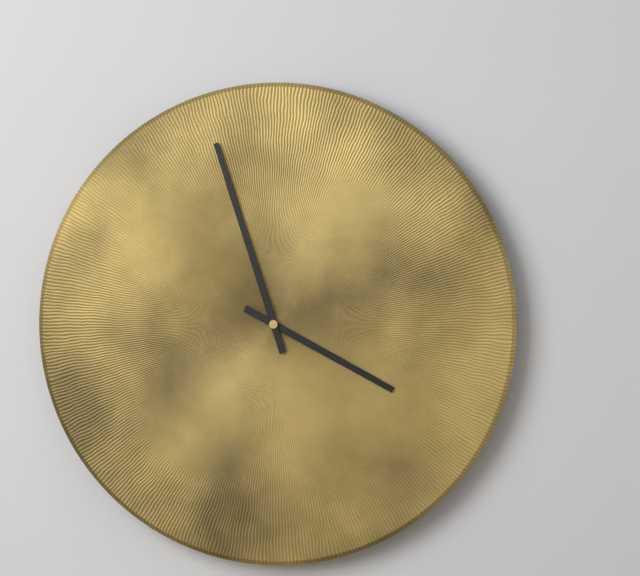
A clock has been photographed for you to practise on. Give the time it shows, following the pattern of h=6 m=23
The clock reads h=3 m=57
